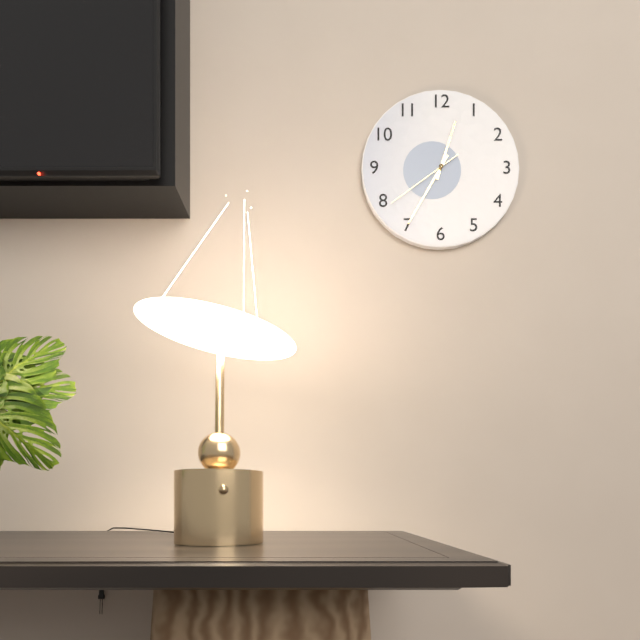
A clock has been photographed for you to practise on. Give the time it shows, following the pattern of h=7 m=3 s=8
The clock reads h=12 m=35 s=39
